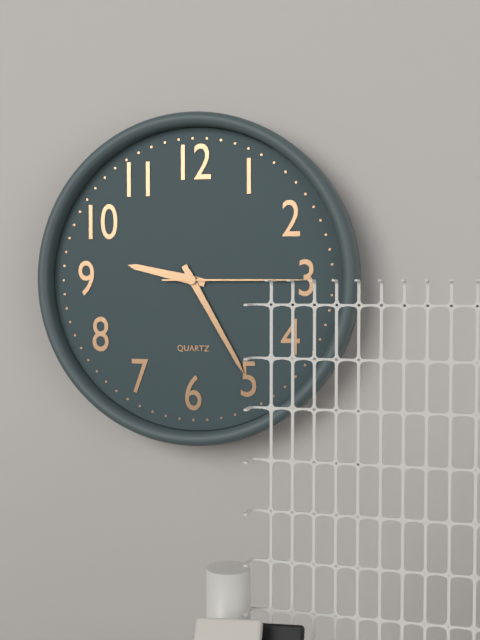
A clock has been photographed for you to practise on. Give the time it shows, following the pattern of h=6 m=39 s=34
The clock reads h=9 m=25 s=15
